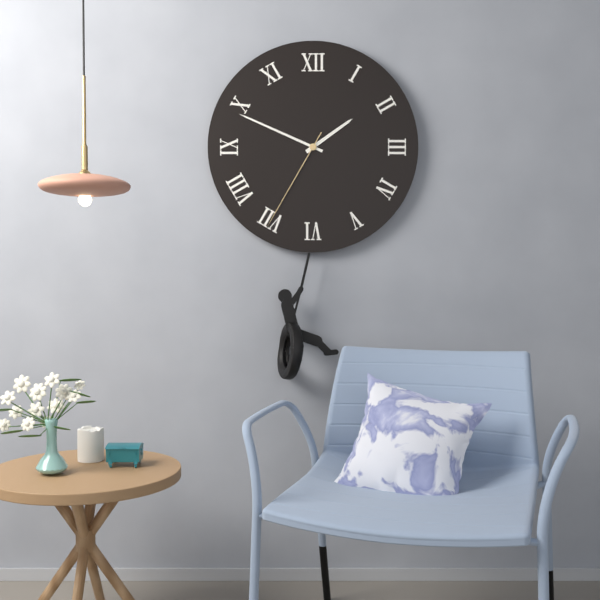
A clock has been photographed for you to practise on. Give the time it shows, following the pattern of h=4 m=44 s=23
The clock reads h=1 m=49 s=35
